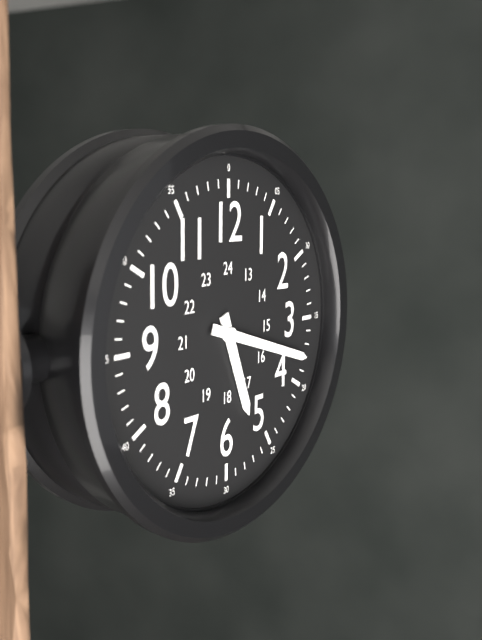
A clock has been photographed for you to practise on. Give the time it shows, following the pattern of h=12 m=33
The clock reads h=5 m=18
